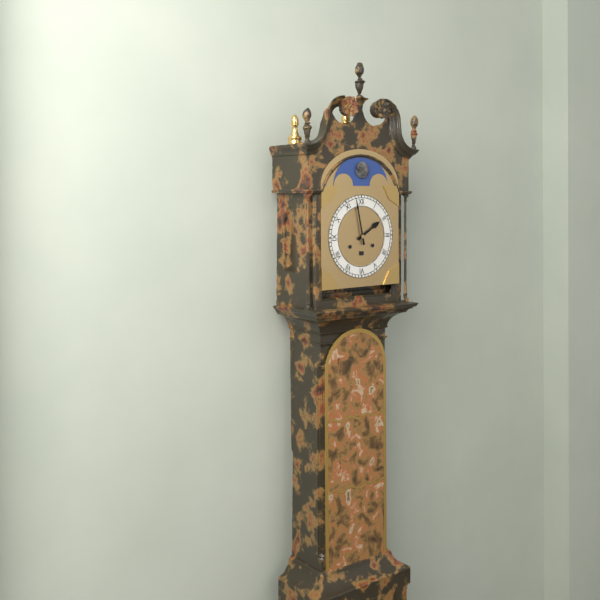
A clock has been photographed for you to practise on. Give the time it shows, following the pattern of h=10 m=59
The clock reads h=1 m=58
